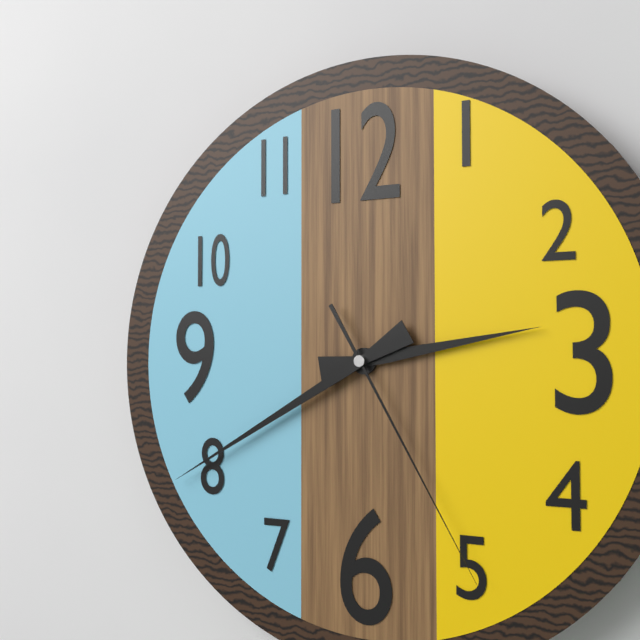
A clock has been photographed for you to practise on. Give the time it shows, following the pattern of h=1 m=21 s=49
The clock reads h=2 m=40 s=25
